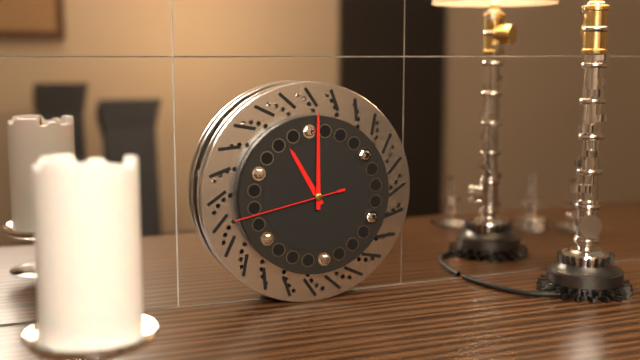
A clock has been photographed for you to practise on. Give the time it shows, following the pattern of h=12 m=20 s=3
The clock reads h=11 m=0 s=43
